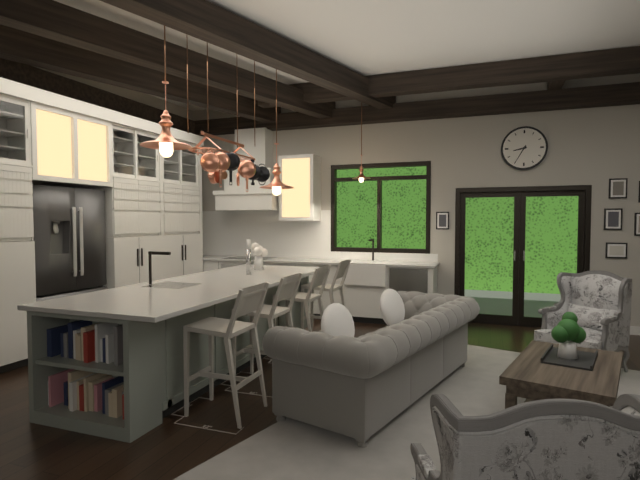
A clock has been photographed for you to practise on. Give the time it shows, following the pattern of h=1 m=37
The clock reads h=8 m=35
